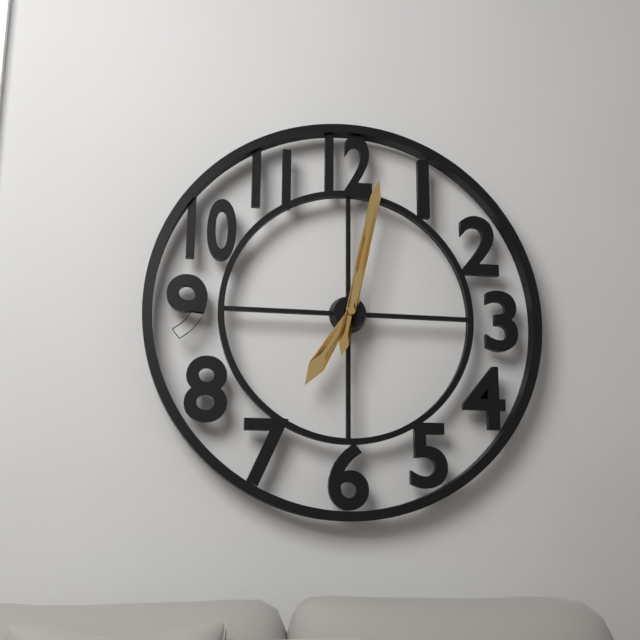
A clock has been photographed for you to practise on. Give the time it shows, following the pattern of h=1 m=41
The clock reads h=7 m=2
